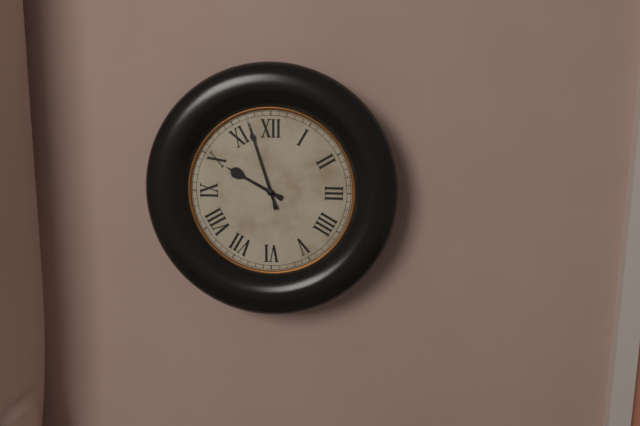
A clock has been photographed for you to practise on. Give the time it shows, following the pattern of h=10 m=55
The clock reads h=9 m=57
